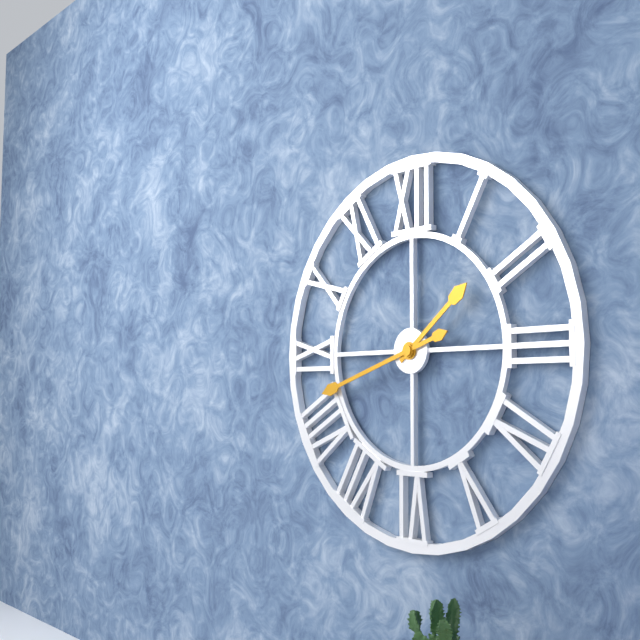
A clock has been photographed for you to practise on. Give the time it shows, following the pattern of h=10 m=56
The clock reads h=1 m=42
